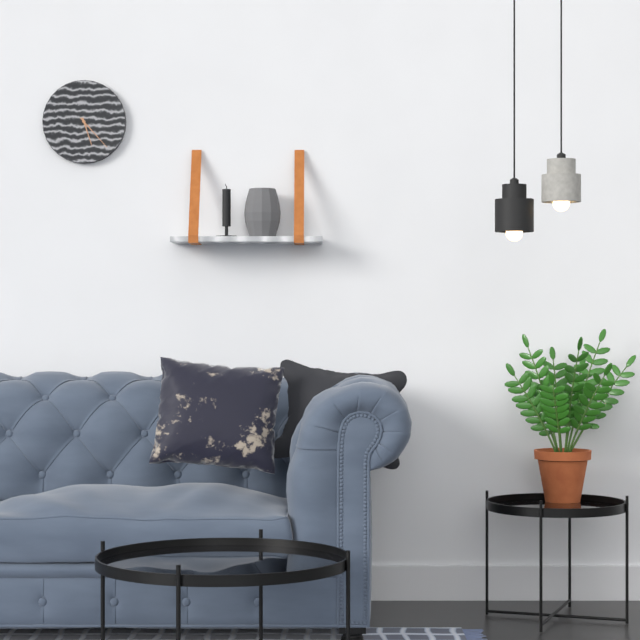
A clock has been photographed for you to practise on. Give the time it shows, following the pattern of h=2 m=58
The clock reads h=5 m=23
